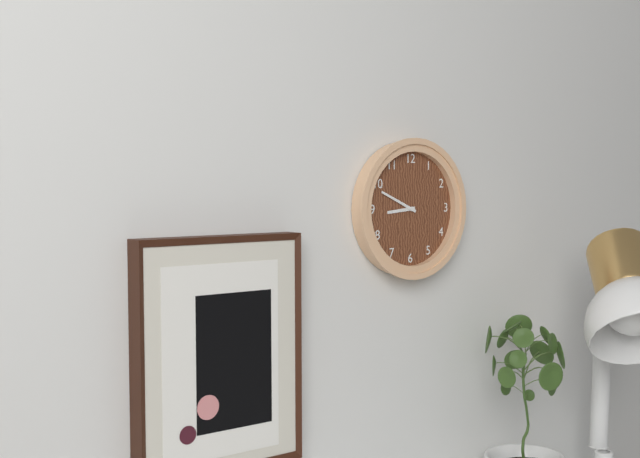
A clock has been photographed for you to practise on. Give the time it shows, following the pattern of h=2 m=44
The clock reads h=8 m=49
